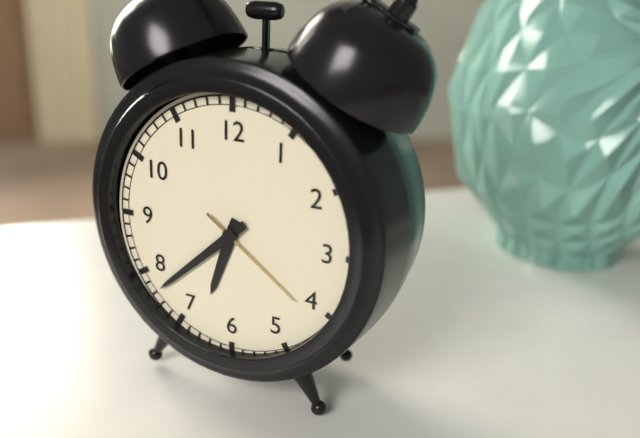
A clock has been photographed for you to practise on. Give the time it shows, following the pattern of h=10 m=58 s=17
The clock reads h=6 m=38 s=21
